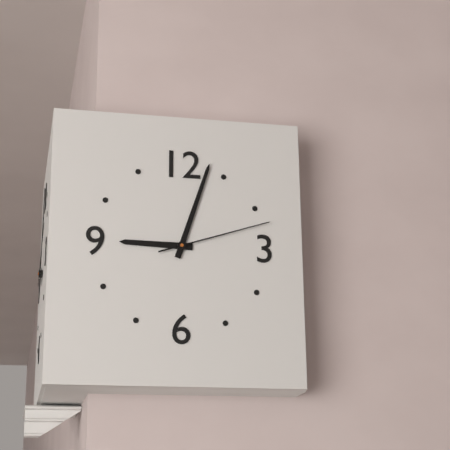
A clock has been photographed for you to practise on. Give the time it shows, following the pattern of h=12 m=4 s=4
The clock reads h=9 m=3 s=12
